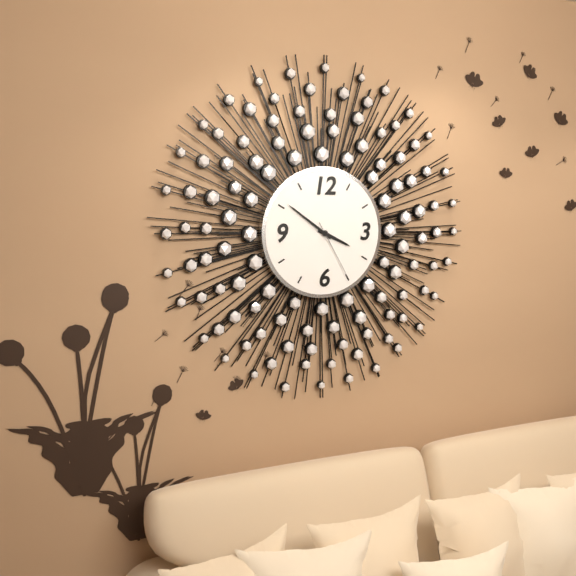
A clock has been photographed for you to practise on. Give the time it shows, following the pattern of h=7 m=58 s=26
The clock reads h=3 m=51 s=25
